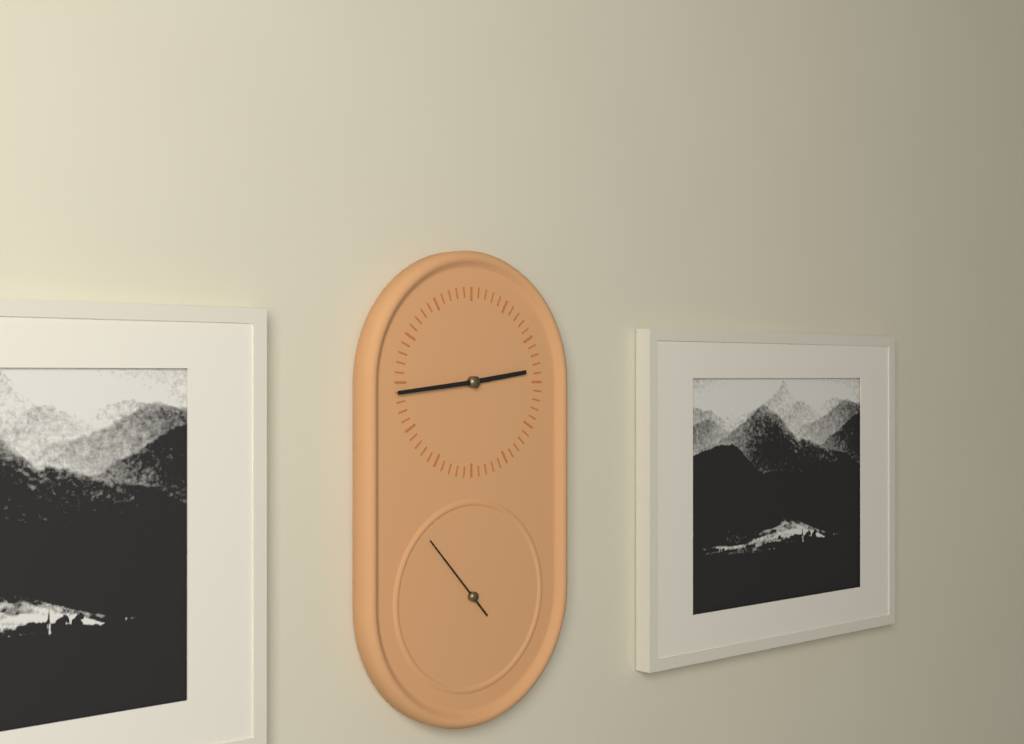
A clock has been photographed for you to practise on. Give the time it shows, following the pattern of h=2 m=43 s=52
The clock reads h=2 m=44 s=53
